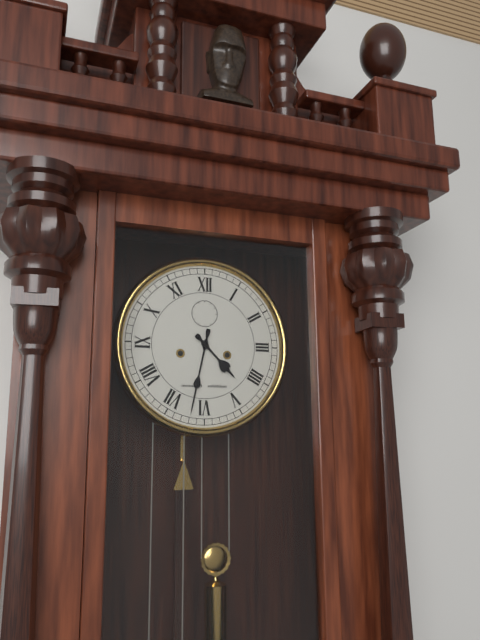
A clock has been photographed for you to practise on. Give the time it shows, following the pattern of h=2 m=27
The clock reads h=4 m=32
